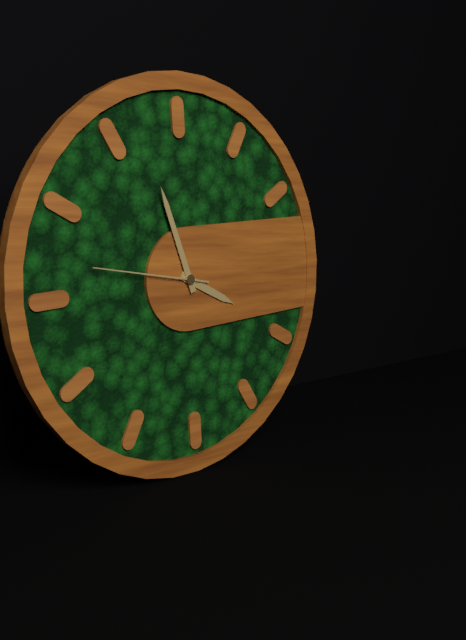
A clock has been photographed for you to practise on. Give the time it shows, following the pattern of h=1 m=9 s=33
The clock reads h=3 m=57 s=47
